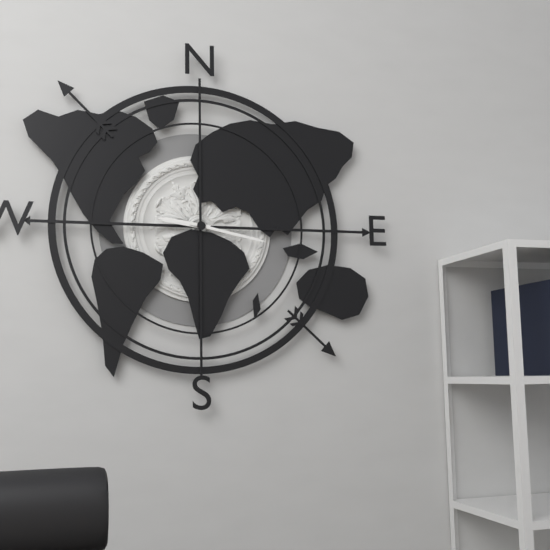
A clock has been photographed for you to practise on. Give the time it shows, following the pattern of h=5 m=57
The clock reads h=9 m=17
